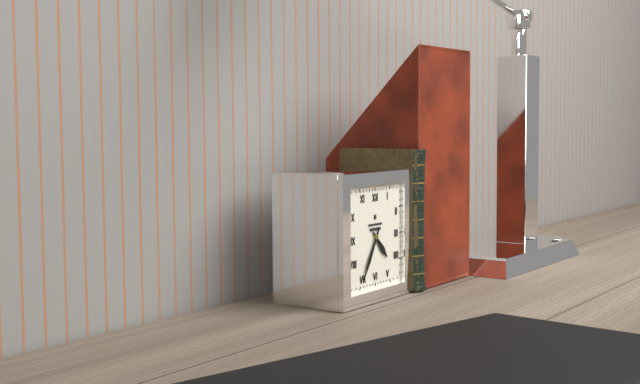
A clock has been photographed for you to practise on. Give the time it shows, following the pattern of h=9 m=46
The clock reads h=4 m=35
